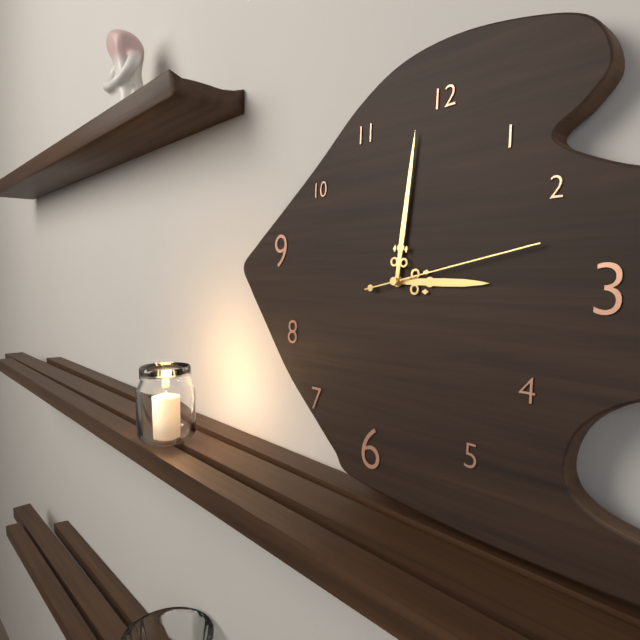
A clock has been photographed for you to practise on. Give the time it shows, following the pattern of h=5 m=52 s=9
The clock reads h=3 m=1 s=13
